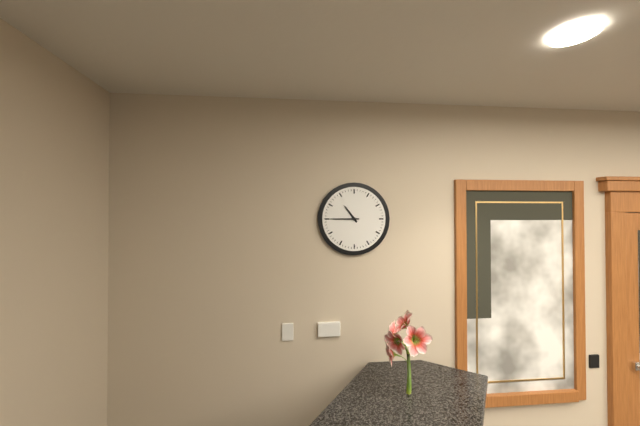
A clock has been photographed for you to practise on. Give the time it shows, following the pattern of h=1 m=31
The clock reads h=10 m=45
